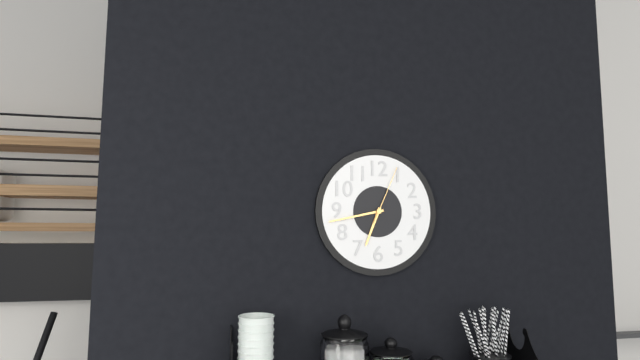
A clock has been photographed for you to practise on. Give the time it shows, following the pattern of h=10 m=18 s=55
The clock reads h=6 m=43 s=4
